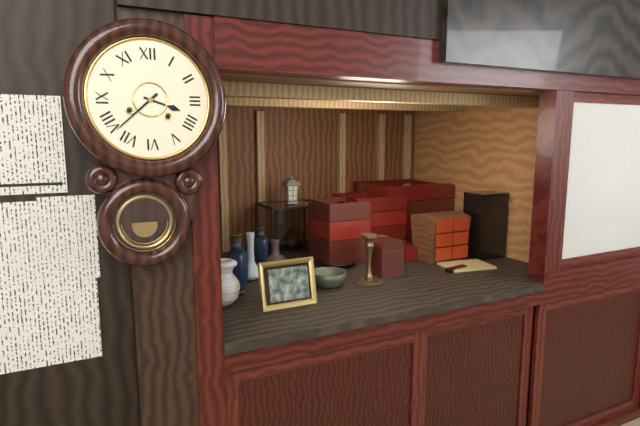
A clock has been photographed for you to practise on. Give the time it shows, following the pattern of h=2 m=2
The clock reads h=3 m=38
